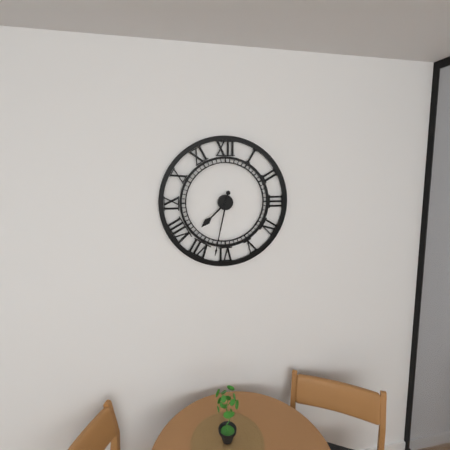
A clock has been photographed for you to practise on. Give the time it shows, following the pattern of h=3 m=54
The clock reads h=7 m=32
